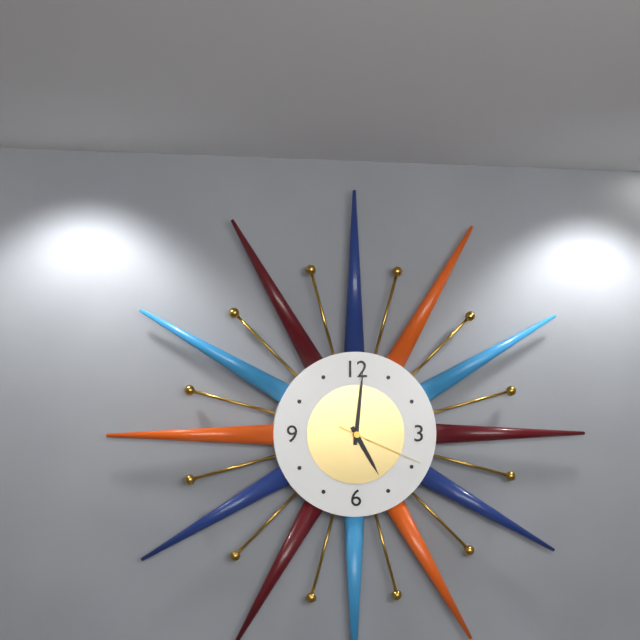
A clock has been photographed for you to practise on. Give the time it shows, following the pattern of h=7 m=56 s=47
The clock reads h=5 m=1 s=19
